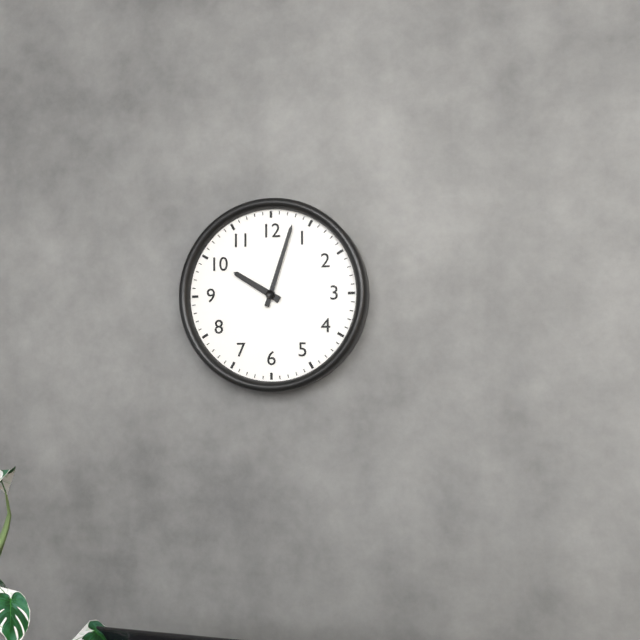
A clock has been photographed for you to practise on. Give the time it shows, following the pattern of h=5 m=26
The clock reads h=10 m=3
